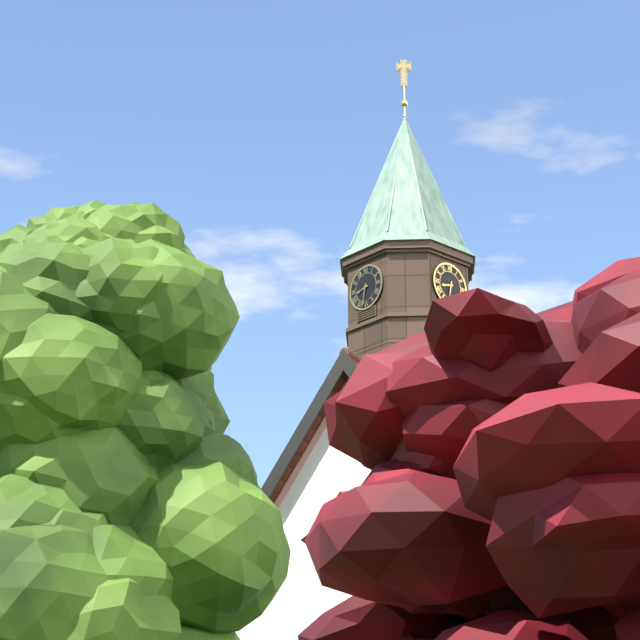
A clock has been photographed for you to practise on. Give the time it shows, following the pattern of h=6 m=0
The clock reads h=8 m=32
